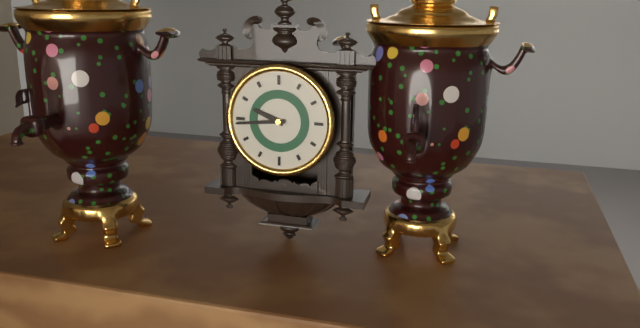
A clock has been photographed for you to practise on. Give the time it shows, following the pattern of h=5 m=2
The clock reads h=9 m=44
